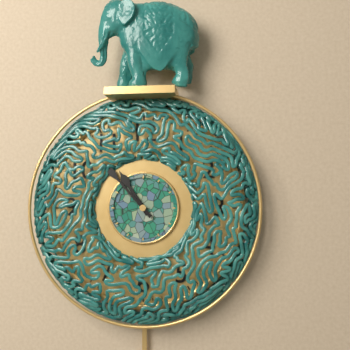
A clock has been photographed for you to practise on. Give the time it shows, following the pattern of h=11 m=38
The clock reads h=10 m=53
